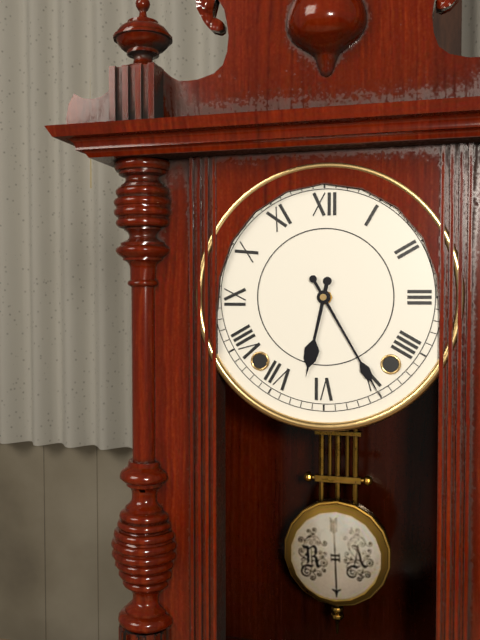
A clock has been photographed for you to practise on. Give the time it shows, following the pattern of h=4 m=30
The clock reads h=6 m=25
